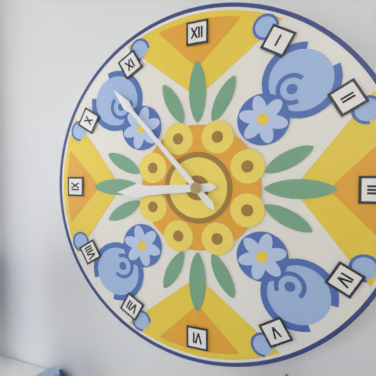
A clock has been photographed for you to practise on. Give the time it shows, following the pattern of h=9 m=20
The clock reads h=8 m=53
